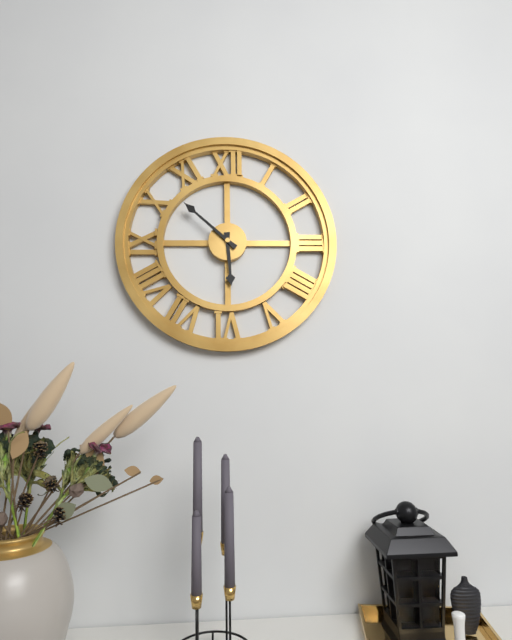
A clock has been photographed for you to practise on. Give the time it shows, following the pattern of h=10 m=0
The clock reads h=5 m=52
